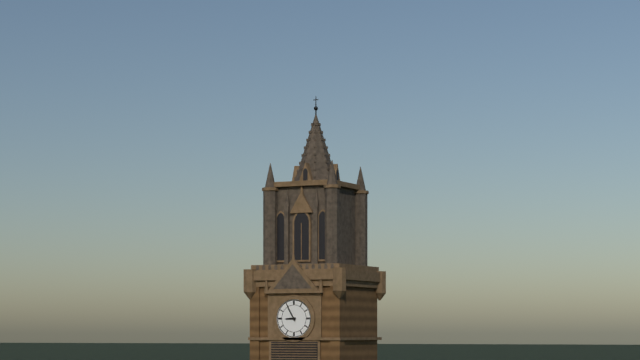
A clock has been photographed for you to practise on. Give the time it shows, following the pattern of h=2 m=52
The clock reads h=8 m=55
